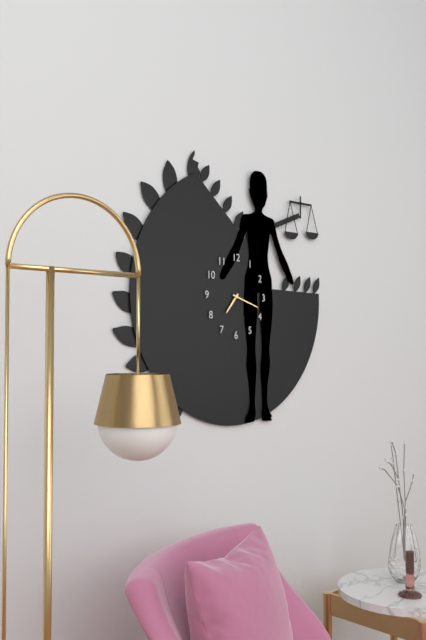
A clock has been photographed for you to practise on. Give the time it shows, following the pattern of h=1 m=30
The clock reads h=7 m=18
